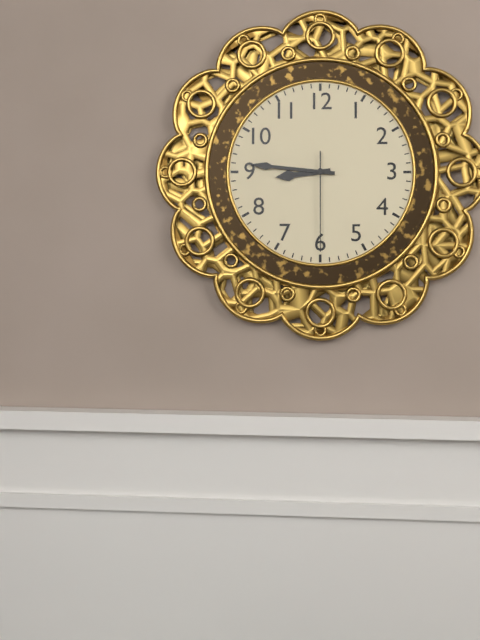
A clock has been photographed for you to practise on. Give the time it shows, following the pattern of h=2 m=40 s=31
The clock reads h=8 m=46 s=30
